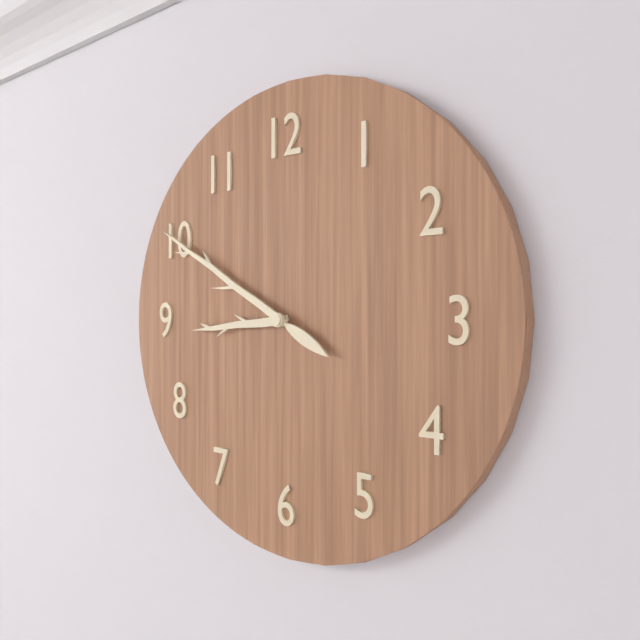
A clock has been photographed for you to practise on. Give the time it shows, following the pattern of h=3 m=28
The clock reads h=8 m=50
